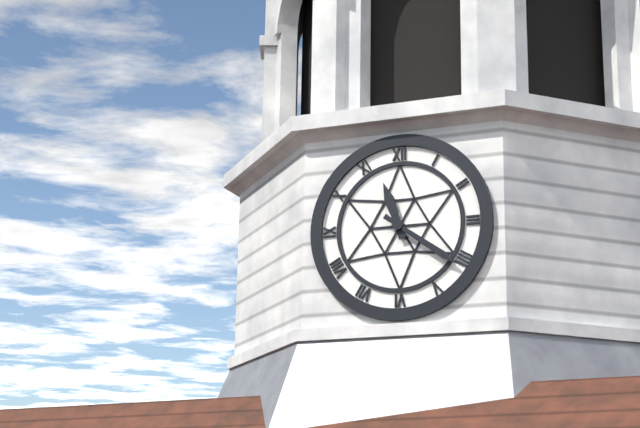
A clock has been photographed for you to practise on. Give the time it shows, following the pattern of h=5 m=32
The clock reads h=11 m=21
